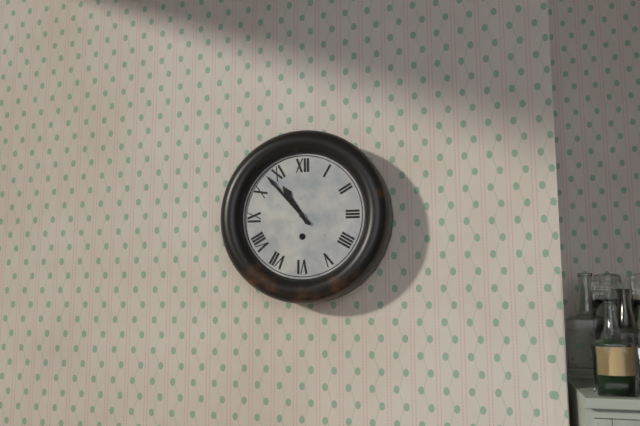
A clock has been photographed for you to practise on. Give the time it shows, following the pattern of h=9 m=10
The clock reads h=10 m=53
